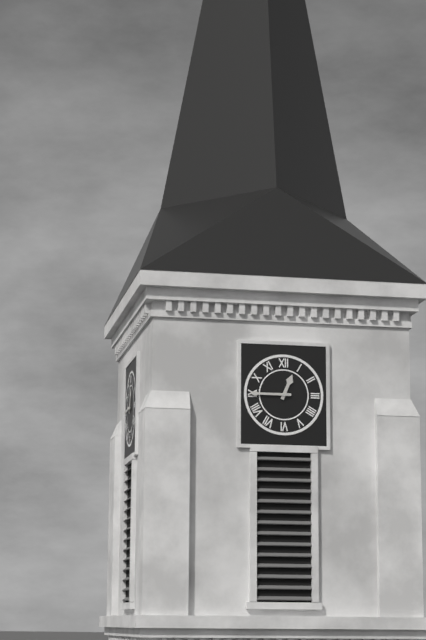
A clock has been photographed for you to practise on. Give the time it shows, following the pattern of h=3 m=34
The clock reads h=12 m=45
